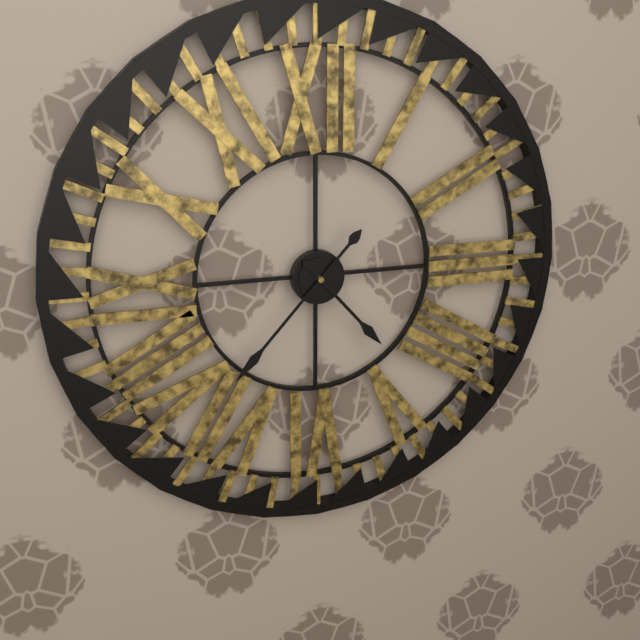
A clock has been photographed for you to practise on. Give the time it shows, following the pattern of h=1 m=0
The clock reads h=4 m=37
